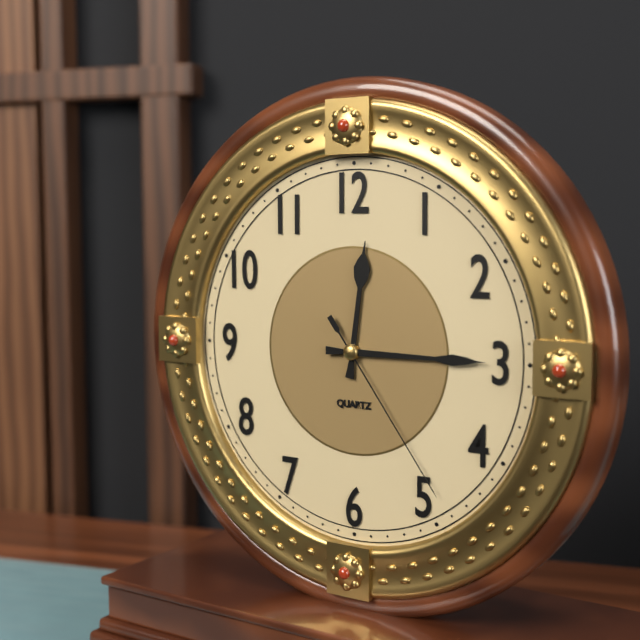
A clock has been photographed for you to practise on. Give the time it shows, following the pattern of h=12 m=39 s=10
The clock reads h=12 m=15 s=24
